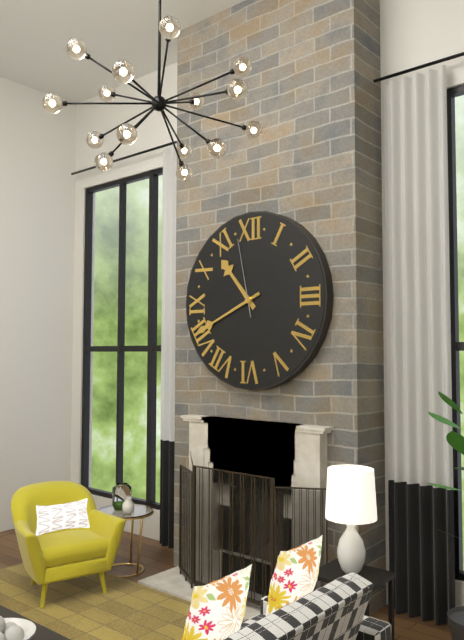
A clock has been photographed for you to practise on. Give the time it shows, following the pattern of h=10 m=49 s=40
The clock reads h=10 m=41 s=58
